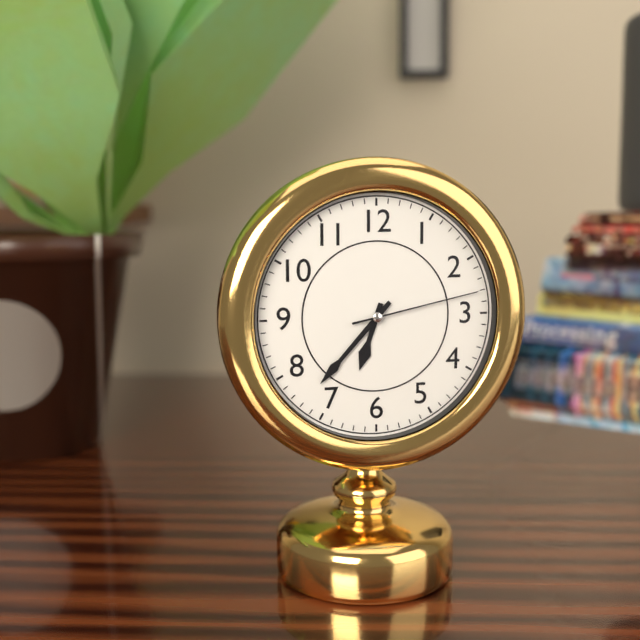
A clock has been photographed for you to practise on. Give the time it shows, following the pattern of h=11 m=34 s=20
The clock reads h=6 m=37 s=13
